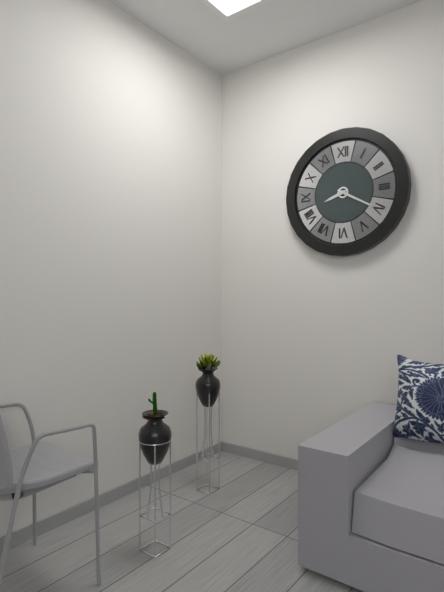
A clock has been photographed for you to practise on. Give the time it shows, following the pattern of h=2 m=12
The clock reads h=8 m=20
